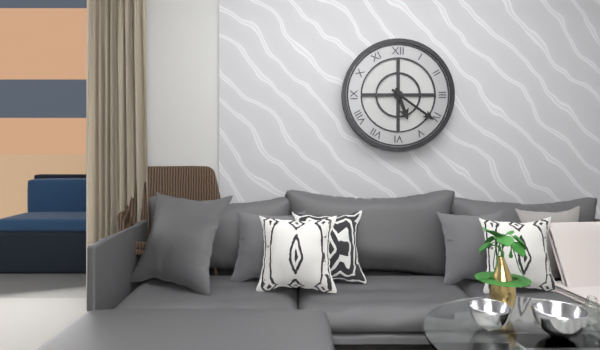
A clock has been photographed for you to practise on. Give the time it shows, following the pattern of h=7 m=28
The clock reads h=5 m=21
